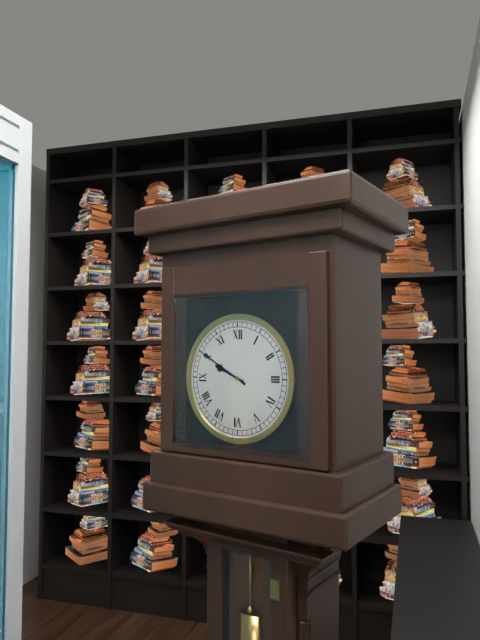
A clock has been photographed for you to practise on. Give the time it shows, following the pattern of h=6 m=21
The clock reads h=9 m=50
